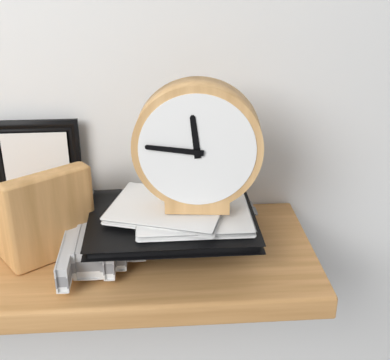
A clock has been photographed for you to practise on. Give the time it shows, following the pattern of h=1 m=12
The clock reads h=11 m=46
